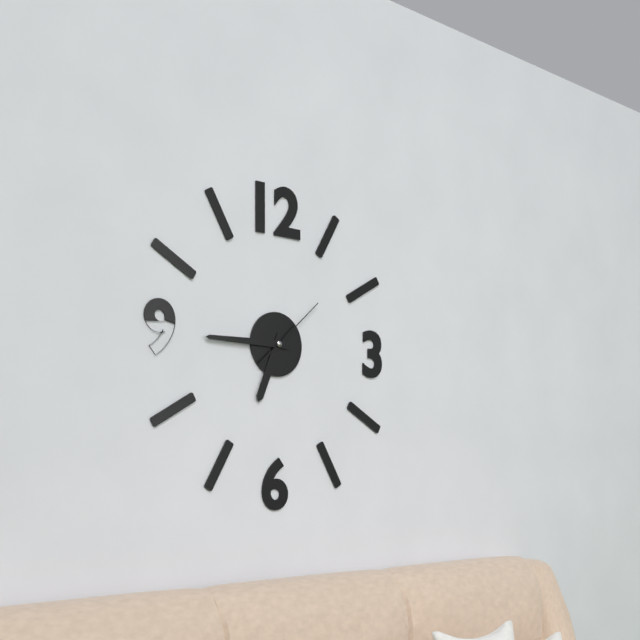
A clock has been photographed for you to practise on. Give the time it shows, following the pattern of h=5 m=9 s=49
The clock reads h=6 m=45 s=8
